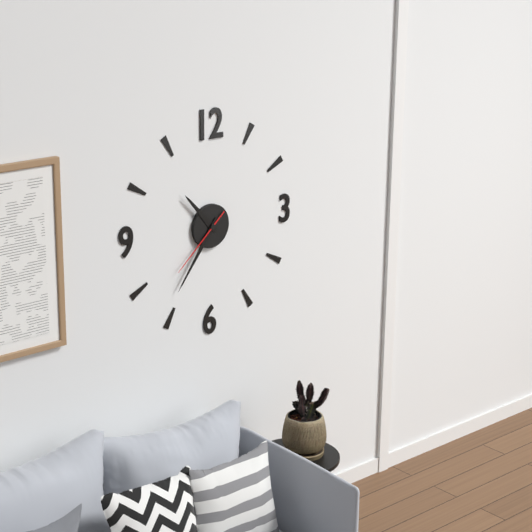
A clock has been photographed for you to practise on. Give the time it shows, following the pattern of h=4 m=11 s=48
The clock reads h=10 m=36 s=38
